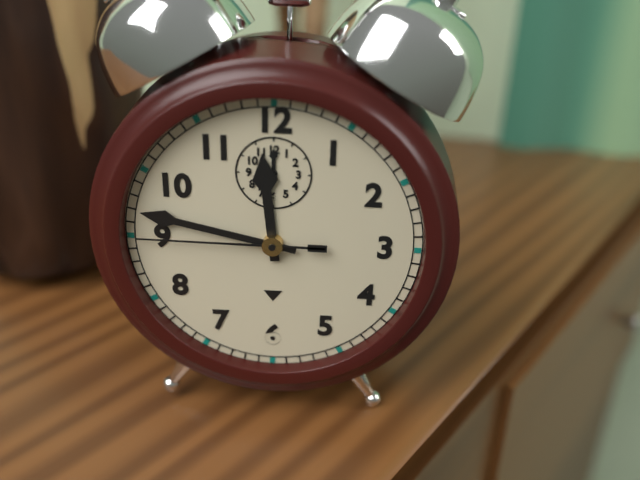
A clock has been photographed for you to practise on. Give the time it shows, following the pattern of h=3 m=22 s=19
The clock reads h=11 m=47 s=45
